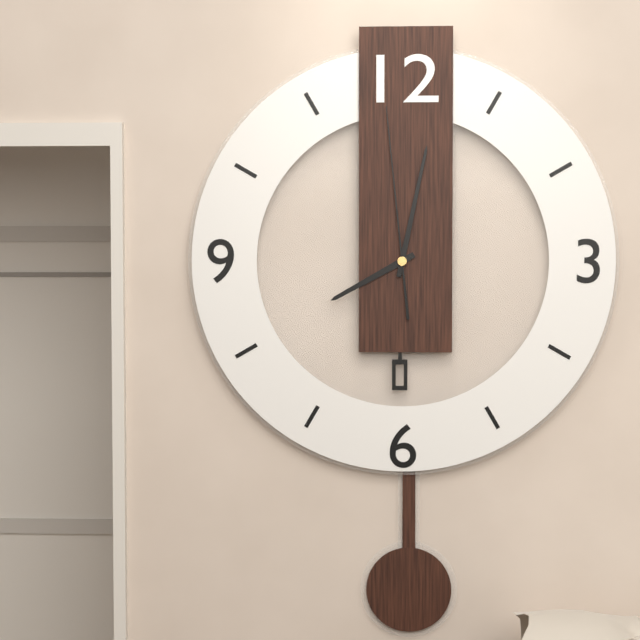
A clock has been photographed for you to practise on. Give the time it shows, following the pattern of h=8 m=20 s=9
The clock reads h=8 m=2 s=59
